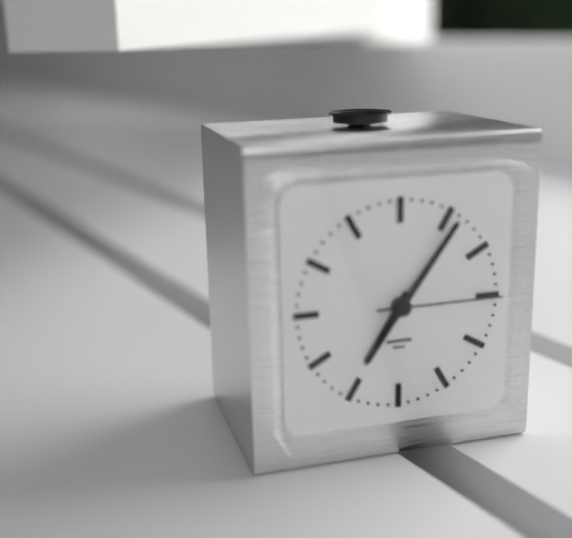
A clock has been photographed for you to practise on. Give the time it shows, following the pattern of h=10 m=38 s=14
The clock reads h=7 m=6 s=15
